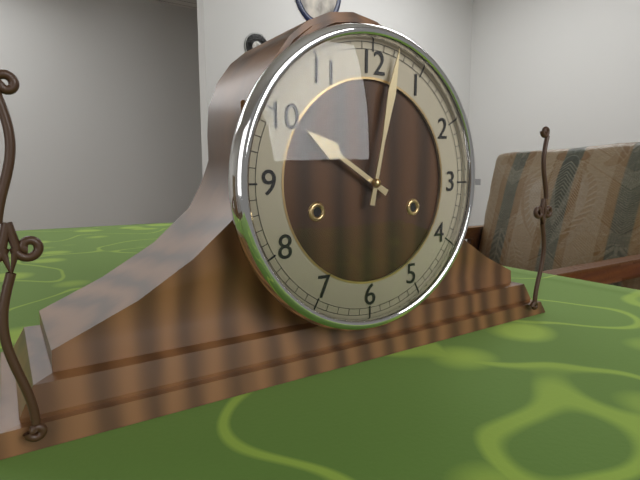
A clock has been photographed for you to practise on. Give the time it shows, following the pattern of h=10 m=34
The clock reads h=10 m=2
